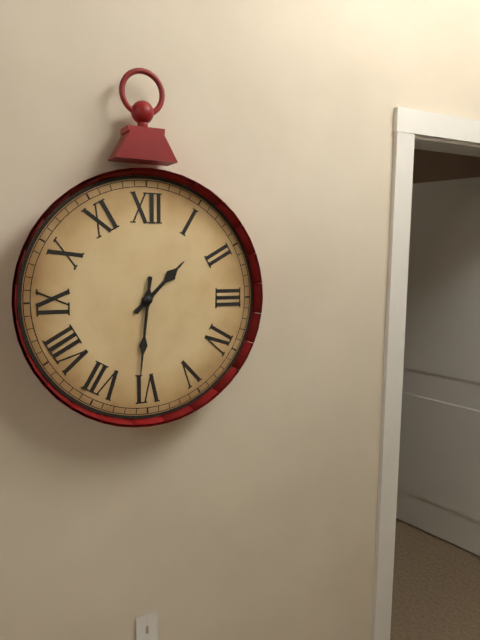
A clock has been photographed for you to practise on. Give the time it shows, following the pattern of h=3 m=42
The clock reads h=1 m=31
